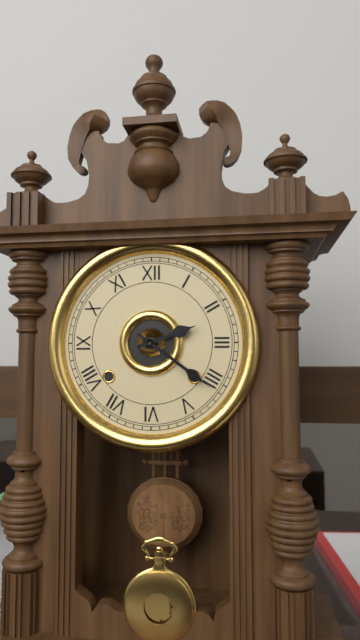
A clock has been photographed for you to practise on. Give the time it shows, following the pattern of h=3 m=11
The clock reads h=2 m=21
